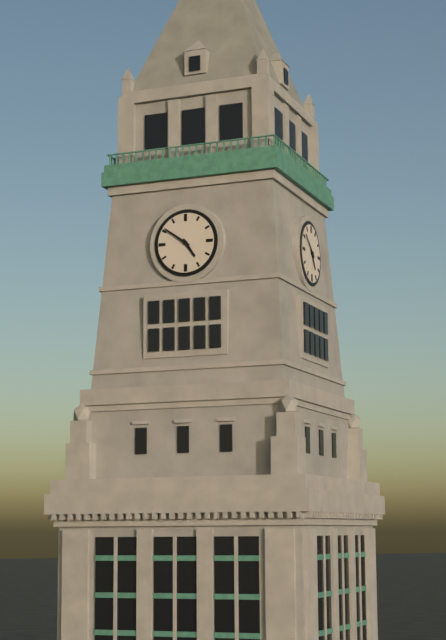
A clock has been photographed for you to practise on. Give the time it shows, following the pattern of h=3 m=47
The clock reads h=4 m=51
